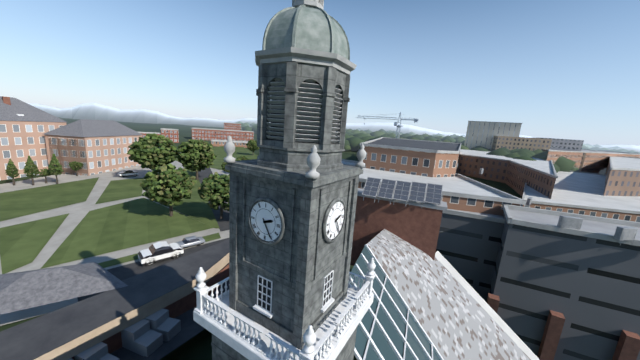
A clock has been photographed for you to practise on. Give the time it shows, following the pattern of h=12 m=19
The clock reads h=2 m=25
